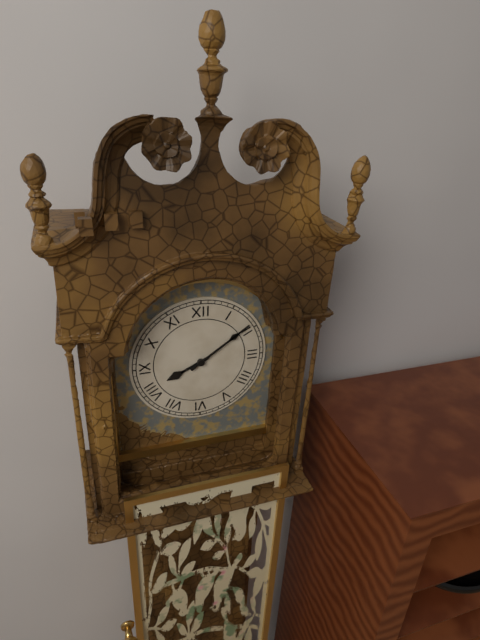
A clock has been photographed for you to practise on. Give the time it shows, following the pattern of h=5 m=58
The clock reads h=8 m=9
